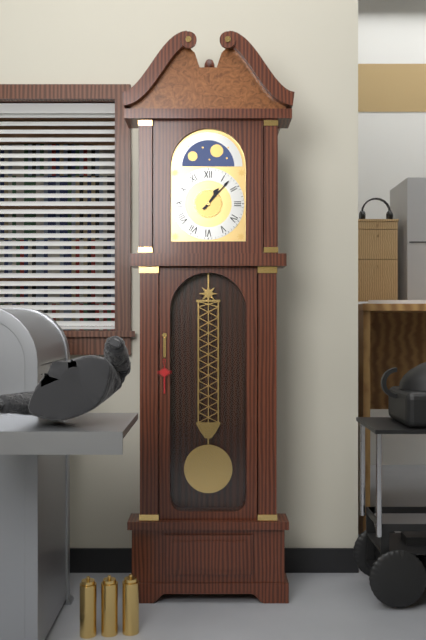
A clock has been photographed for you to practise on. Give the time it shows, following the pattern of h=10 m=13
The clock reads h=1 m=7
